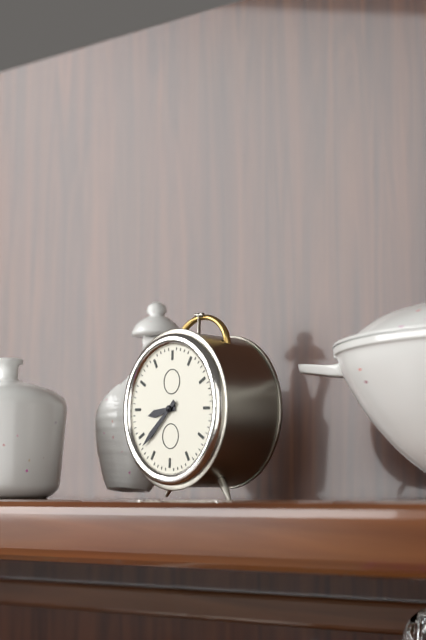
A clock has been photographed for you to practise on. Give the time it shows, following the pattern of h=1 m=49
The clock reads h=8 m=38
